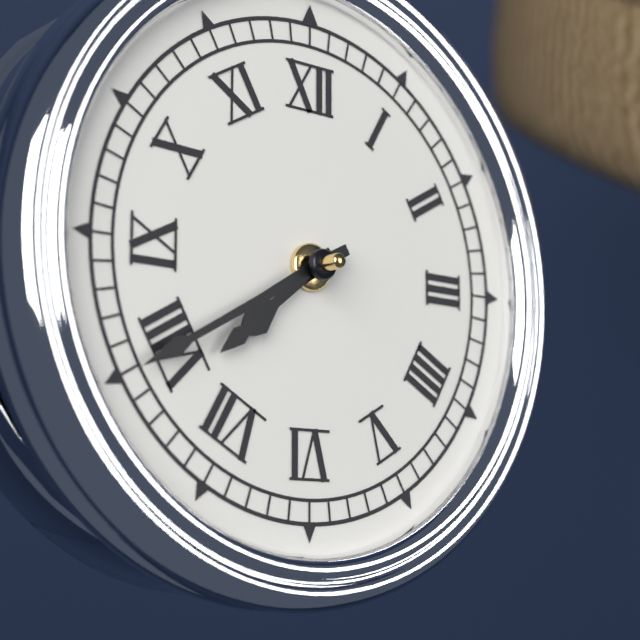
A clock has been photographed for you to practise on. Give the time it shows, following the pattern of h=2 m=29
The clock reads h=7 m=40
